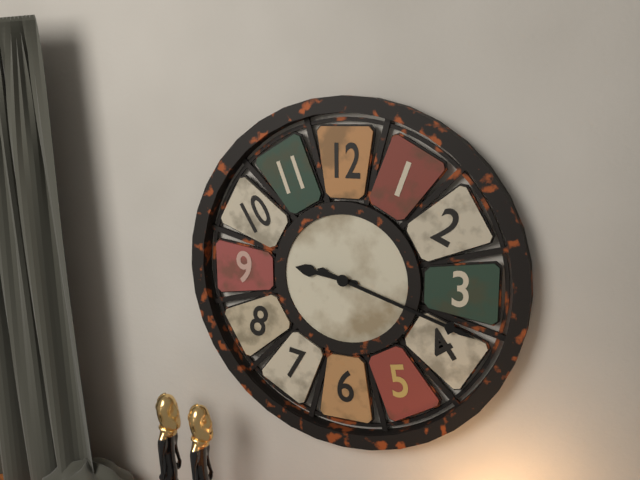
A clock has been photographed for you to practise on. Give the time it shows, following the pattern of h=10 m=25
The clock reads h=9 m=18
